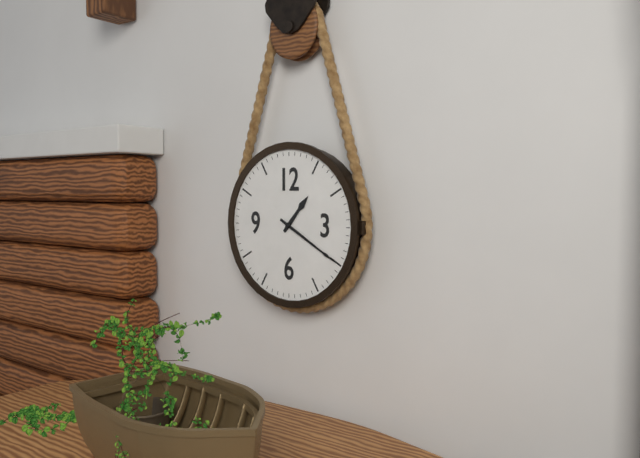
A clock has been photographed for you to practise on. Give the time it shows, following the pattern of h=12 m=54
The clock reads h=1 m=20
